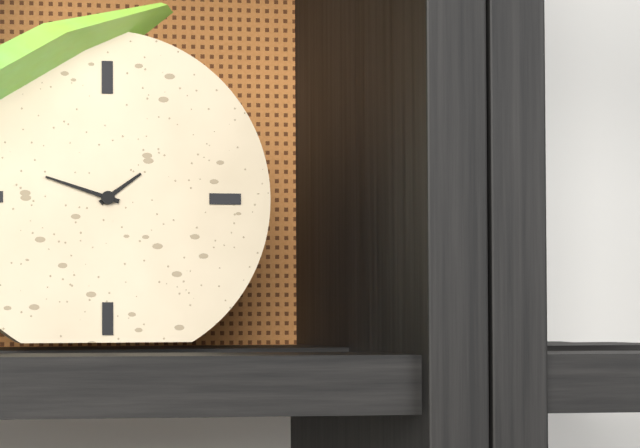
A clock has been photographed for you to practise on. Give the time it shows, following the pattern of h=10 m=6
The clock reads h=1 m=48
